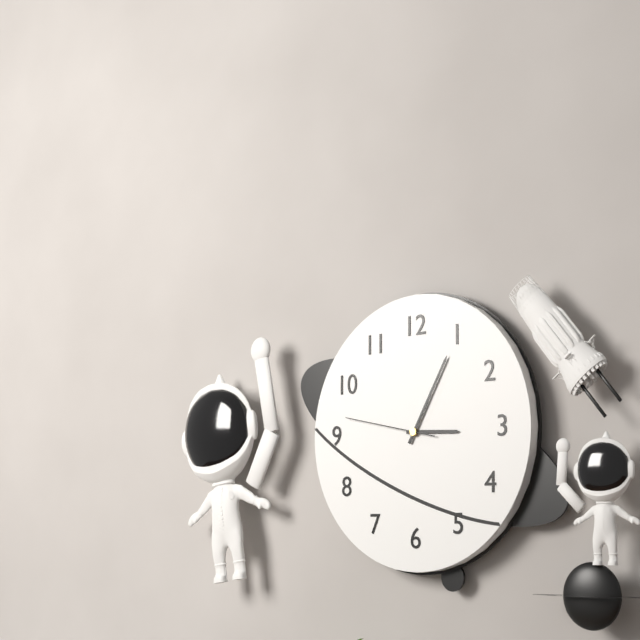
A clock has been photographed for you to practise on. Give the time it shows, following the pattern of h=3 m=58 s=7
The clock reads h=3 m=5 s=47
